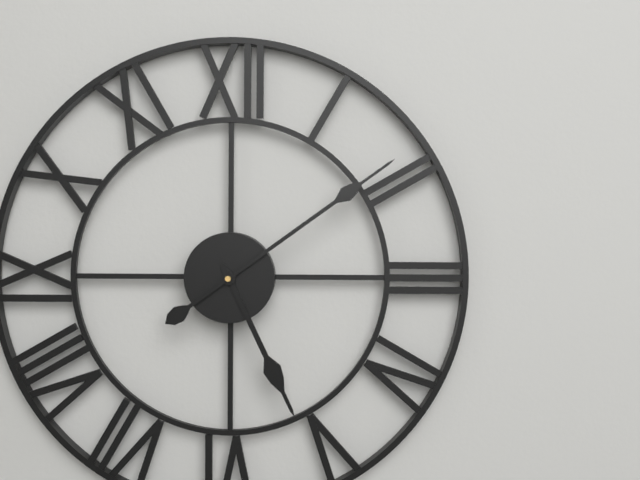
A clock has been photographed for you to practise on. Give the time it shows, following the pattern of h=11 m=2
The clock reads h=5 m=9
